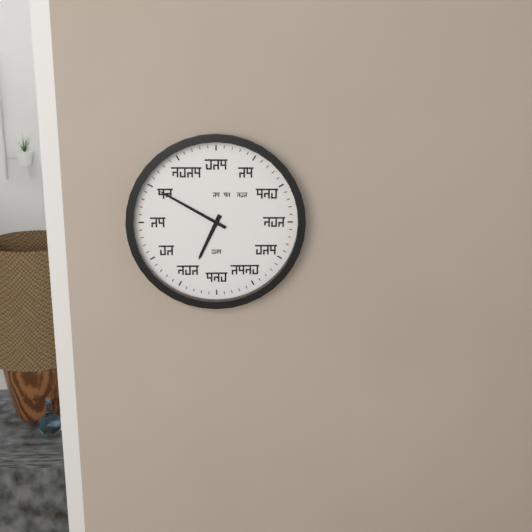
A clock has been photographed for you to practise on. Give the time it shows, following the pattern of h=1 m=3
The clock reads h=6 m=50
